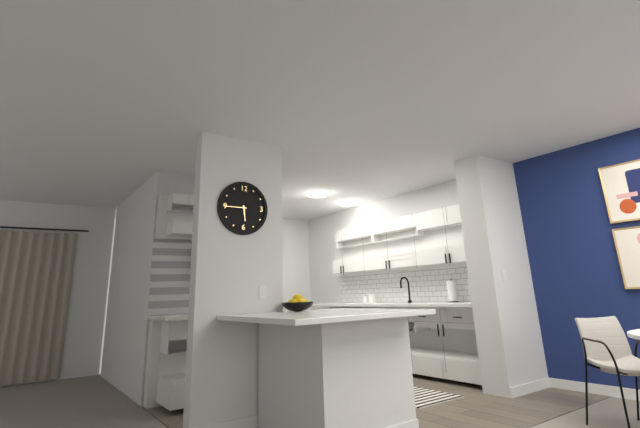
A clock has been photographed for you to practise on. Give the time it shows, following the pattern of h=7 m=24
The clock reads h=5 m=45
